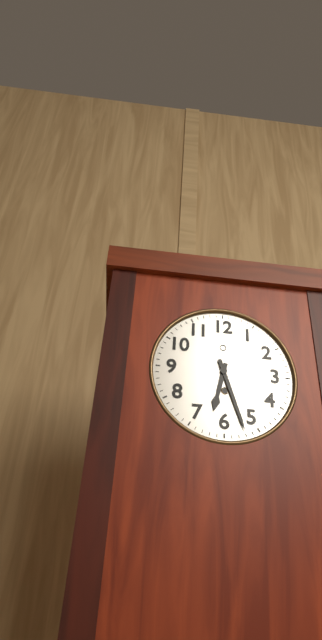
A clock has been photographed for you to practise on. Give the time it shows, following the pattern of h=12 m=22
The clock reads h=6 m=27
